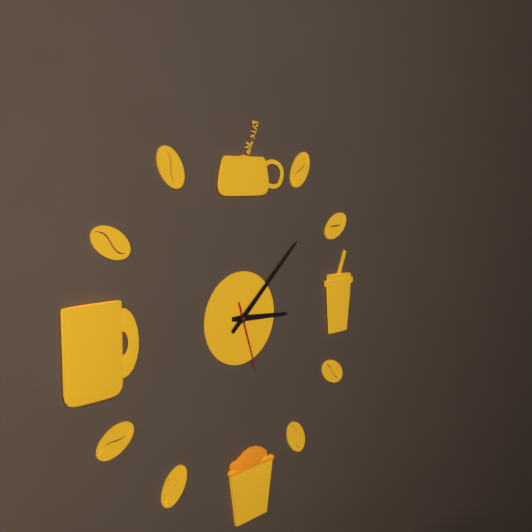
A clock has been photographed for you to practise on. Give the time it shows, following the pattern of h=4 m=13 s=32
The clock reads h=3 m=8 s=27
